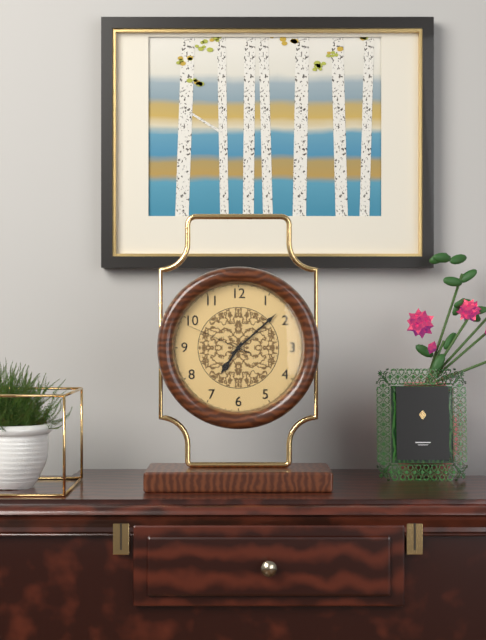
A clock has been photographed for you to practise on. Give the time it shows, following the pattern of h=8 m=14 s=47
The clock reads h=7 m=8 s=49
